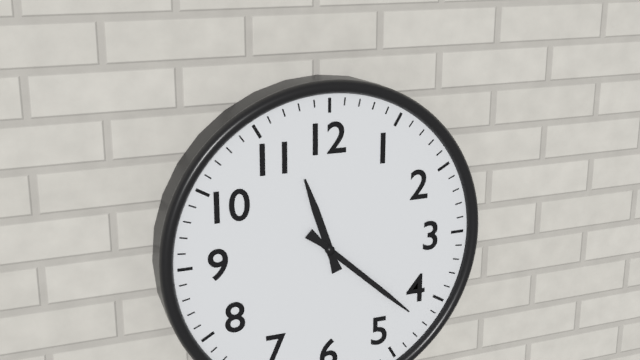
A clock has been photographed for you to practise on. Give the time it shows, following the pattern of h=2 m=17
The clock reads h=11 m=22
